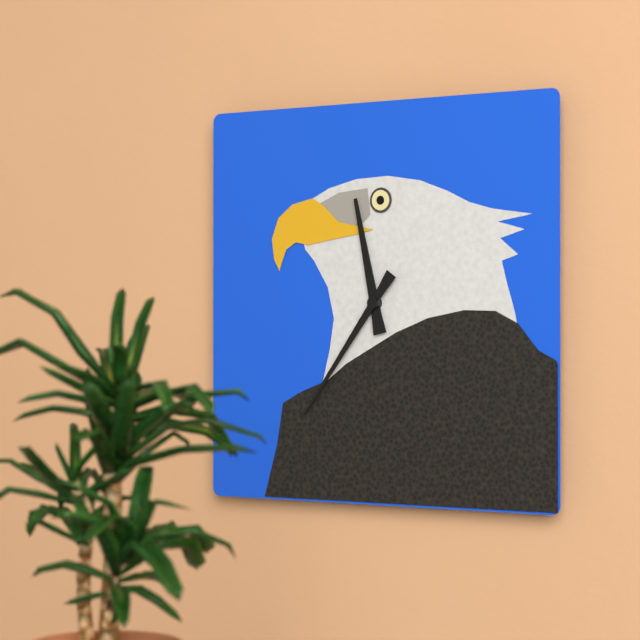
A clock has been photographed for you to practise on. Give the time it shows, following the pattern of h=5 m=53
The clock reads h=11 m=36
